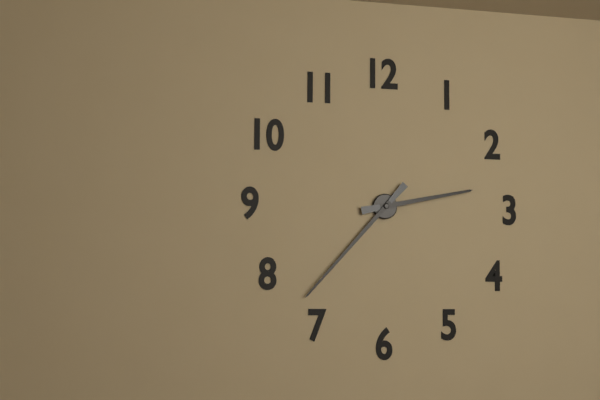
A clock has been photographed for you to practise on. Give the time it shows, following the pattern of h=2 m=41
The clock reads h=2 m=37
